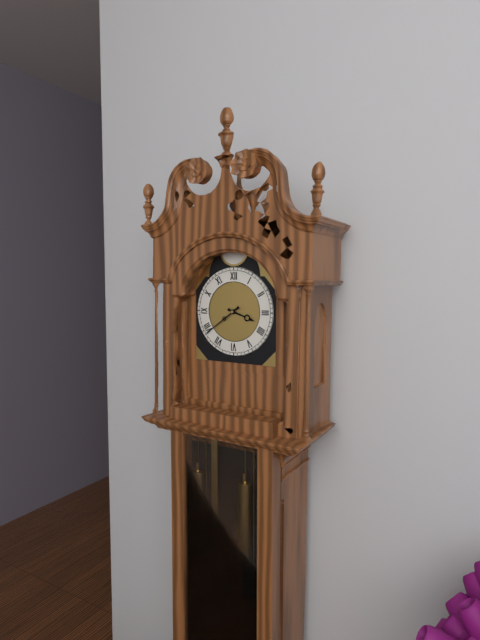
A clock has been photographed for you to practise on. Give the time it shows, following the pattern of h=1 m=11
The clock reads h=3 m=39
